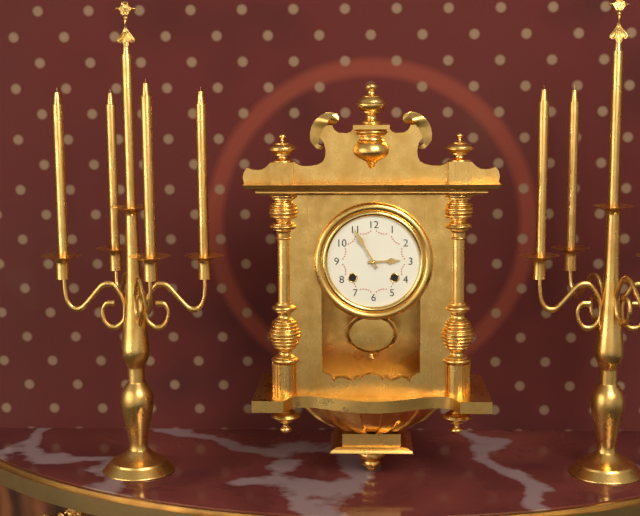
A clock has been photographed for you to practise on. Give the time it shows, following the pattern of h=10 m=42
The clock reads h=2 m=55
